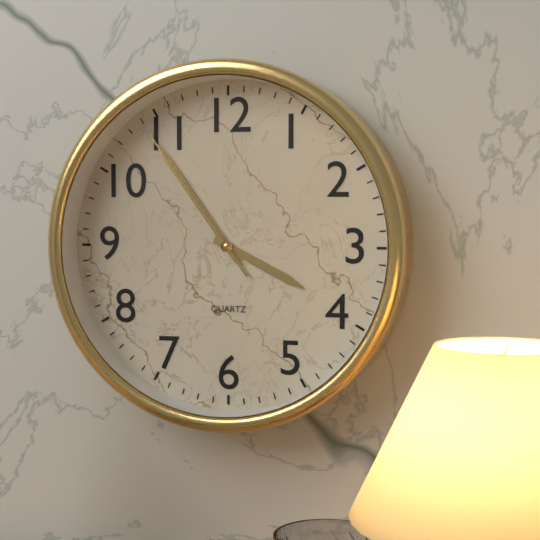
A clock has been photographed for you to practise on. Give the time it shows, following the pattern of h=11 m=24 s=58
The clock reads h=3 m=54 s=54
